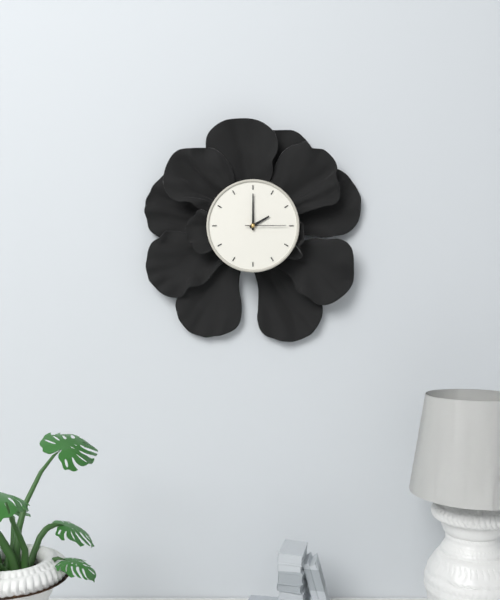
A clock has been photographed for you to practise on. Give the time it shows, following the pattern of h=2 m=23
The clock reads h=2 m=0
